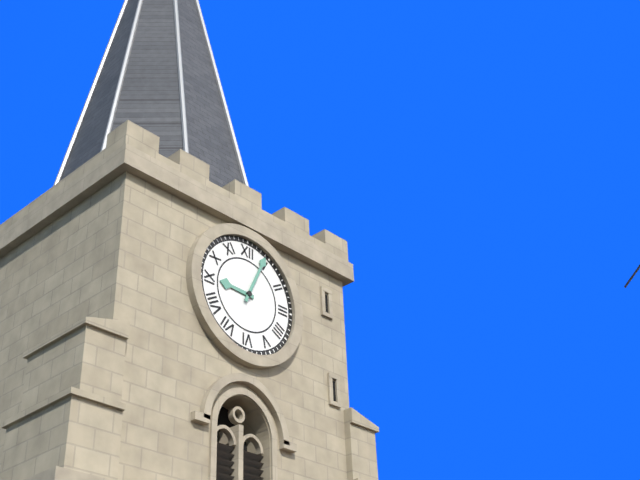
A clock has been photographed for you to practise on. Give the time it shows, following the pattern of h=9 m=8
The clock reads h=9 m=4
